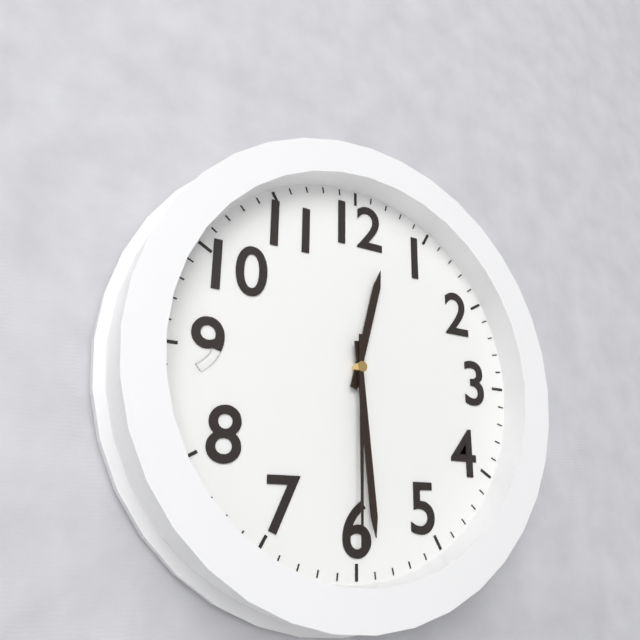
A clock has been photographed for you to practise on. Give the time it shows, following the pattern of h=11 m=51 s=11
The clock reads h=12 m=29 s=30
